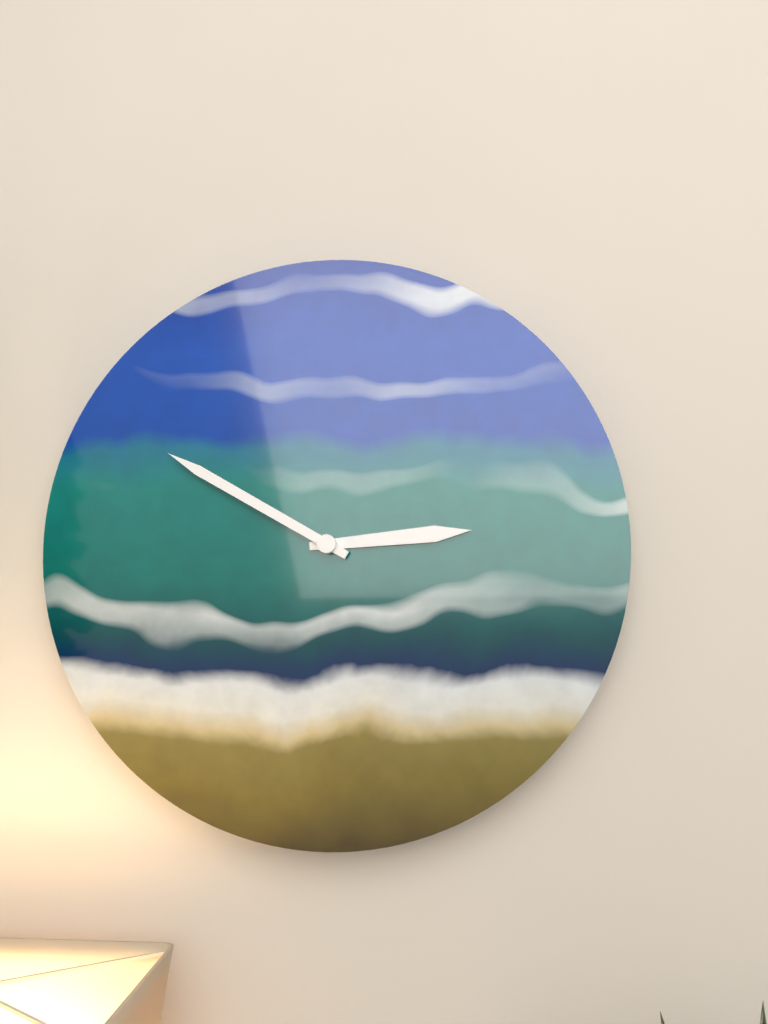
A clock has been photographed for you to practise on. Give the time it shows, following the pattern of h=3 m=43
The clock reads h=2 m=50
